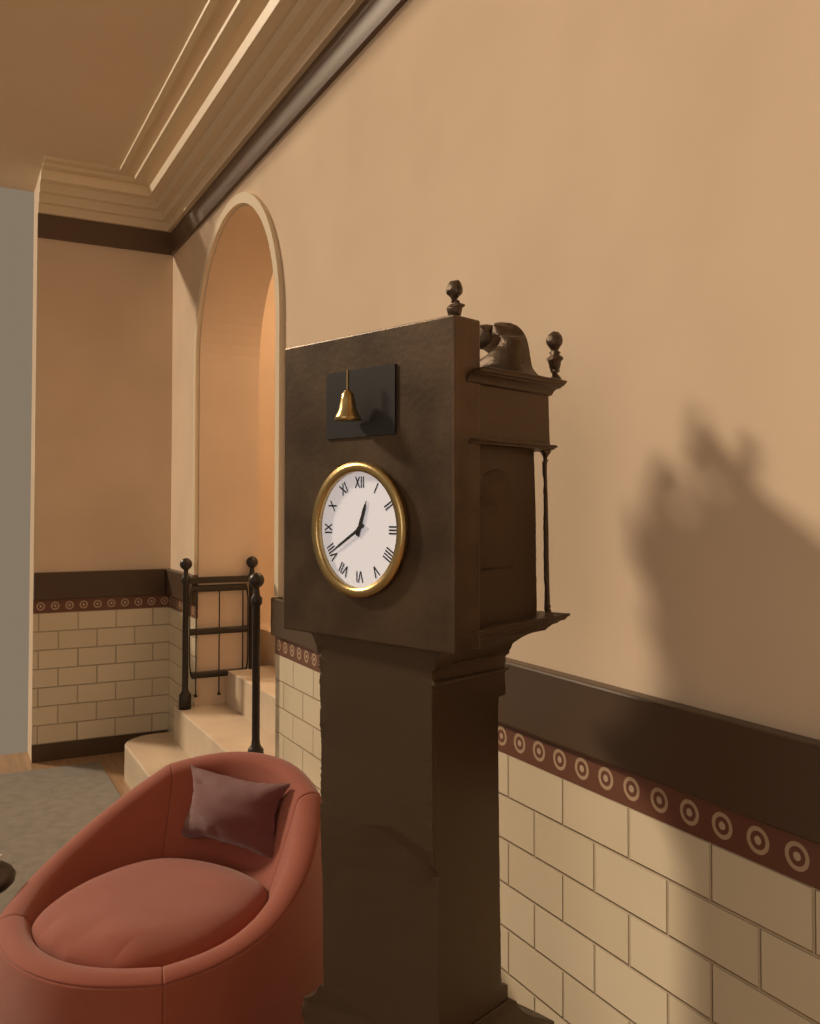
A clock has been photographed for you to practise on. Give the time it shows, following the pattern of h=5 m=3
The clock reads h=12 m=40
